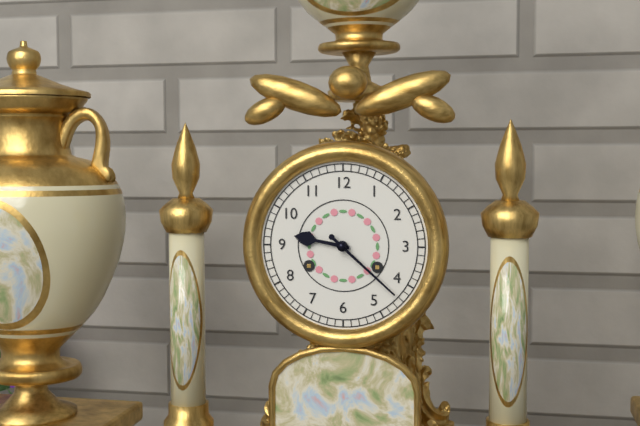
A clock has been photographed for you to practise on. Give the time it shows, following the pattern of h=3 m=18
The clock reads h=9 m=22
